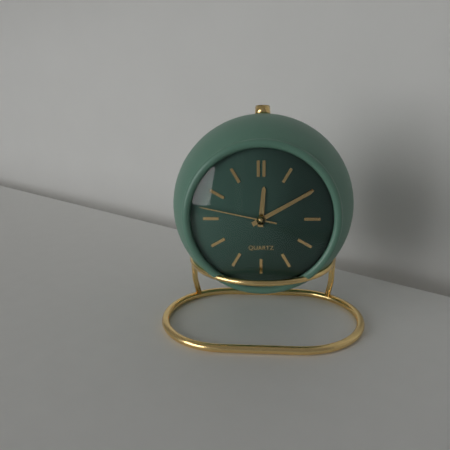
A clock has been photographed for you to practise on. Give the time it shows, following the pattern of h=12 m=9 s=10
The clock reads h=12 m=10 s=47
